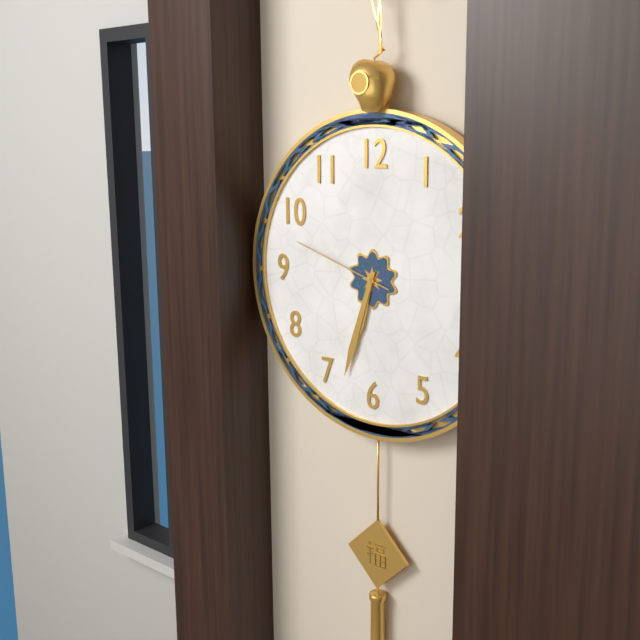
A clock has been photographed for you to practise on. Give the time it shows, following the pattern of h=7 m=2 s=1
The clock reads h=6 m=33 s=48
